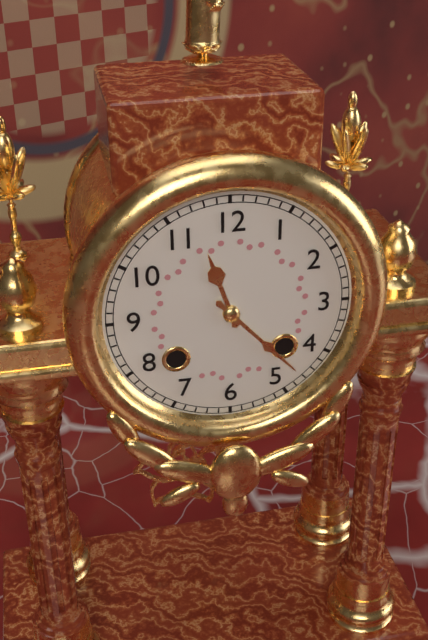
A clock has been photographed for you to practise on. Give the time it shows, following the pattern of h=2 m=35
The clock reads h=11 m=23
